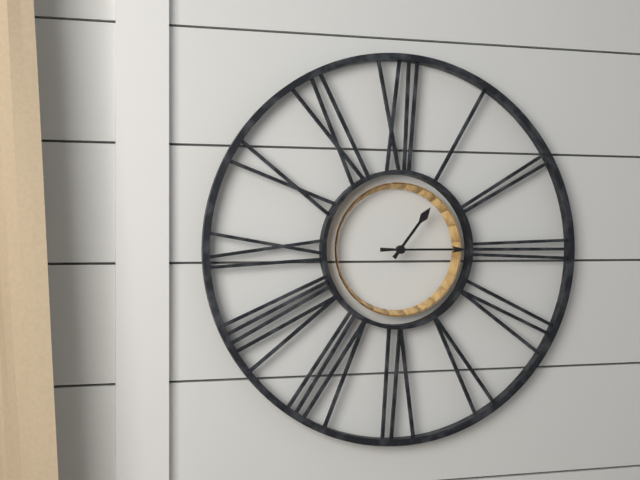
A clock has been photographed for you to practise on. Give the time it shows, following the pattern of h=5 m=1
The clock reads h=1 m=15
